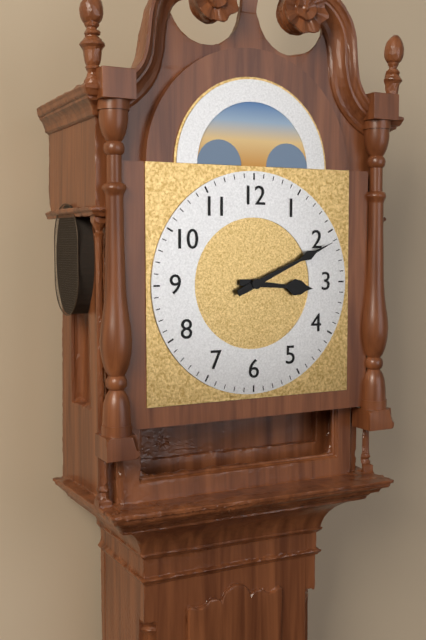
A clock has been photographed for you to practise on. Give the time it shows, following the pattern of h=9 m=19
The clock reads h=3 m=11
